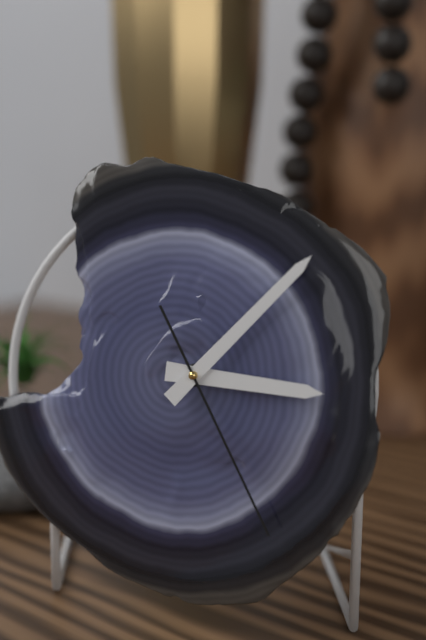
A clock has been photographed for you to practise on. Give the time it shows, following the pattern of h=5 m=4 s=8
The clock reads h=3 m=7 s=25
